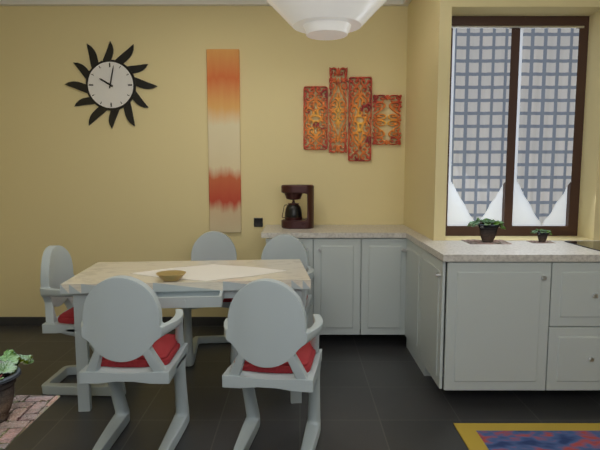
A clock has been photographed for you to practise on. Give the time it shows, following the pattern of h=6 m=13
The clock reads h=10 m=2
